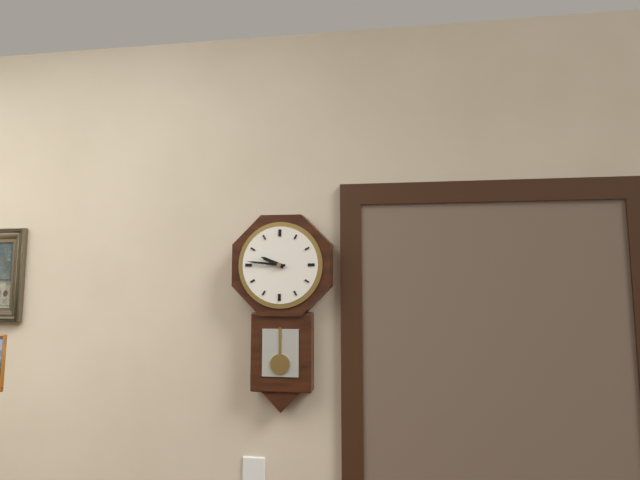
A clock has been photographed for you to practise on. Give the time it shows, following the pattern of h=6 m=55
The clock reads h=9 m=46
